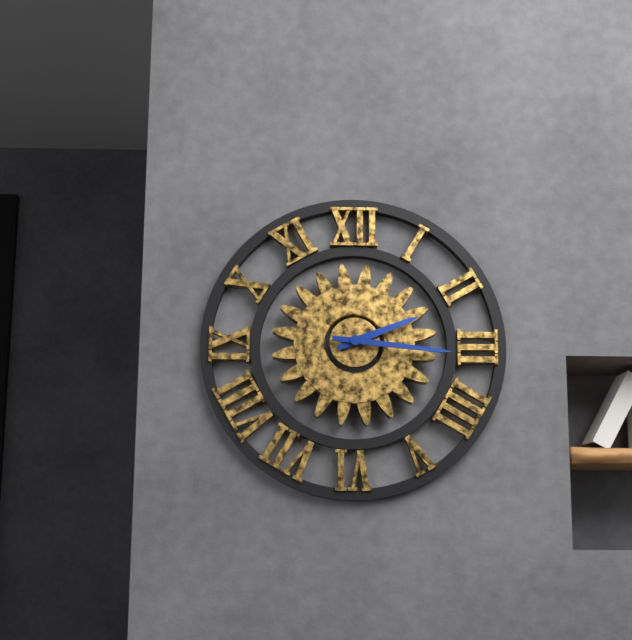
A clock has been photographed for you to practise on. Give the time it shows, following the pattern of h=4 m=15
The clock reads h=2 m=16
